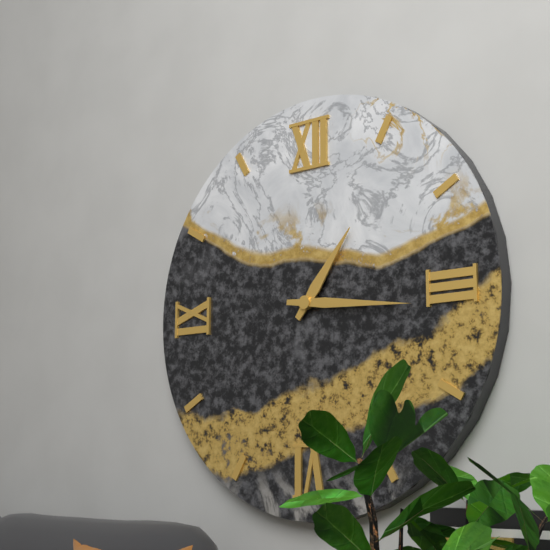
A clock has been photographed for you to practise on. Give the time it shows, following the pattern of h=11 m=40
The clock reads h=1 m=16
